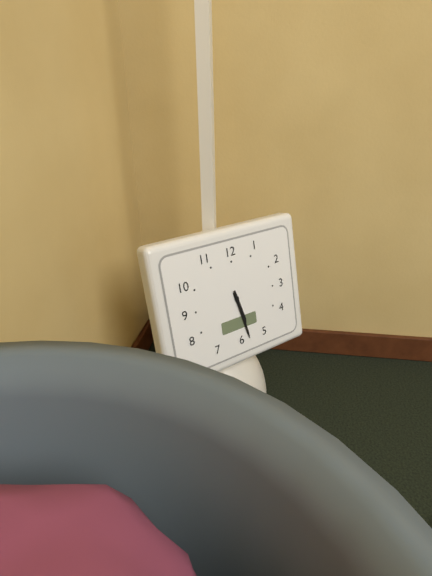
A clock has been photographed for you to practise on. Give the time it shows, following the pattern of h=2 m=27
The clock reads h=5 m=28
